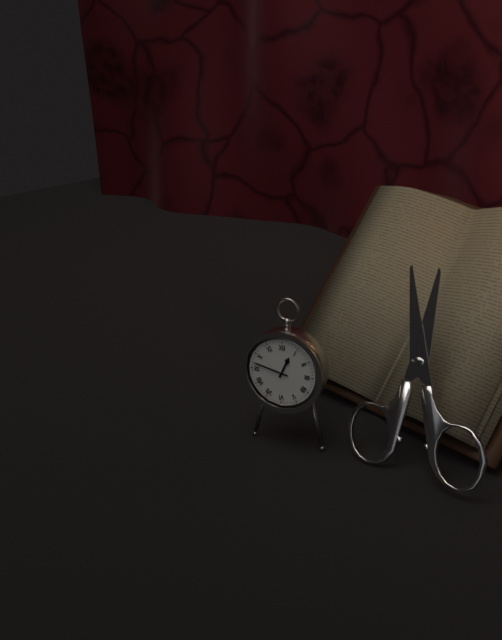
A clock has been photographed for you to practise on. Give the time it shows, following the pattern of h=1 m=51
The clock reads h=12 m=47
